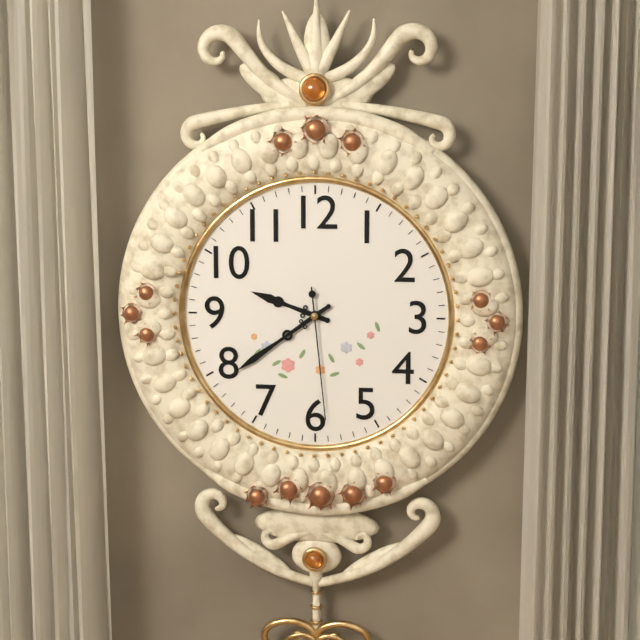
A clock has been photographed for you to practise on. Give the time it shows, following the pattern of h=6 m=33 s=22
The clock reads h=9 m=39 s=29
